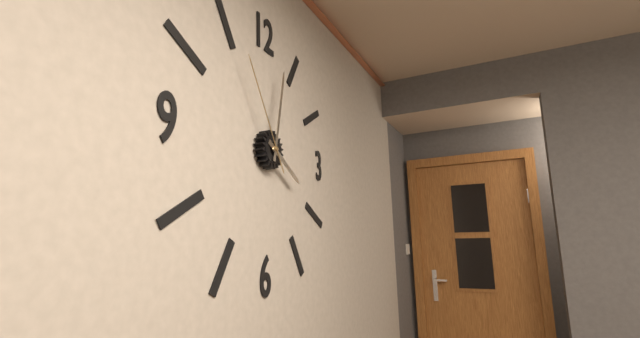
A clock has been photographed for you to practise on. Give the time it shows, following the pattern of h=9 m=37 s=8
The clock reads h=4 m=2 s=55
